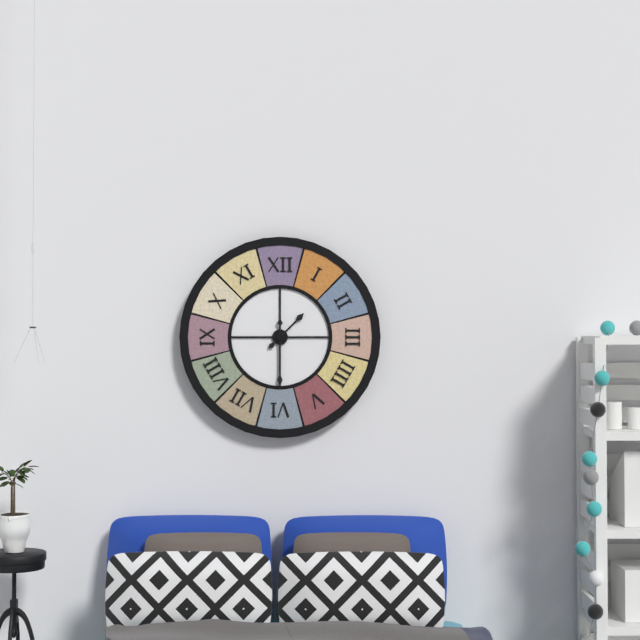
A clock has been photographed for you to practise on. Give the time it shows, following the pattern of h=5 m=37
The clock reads h=1 m=30
